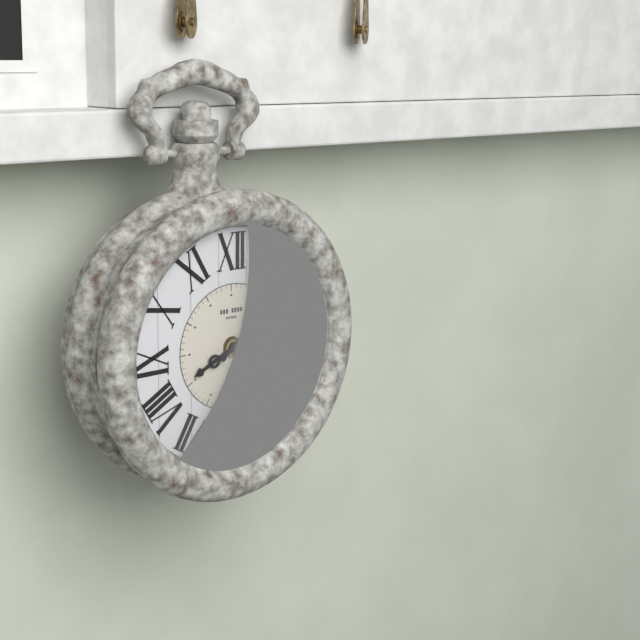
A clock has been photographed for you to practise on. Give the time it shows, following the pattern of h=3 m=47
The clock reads h=8 m=10
